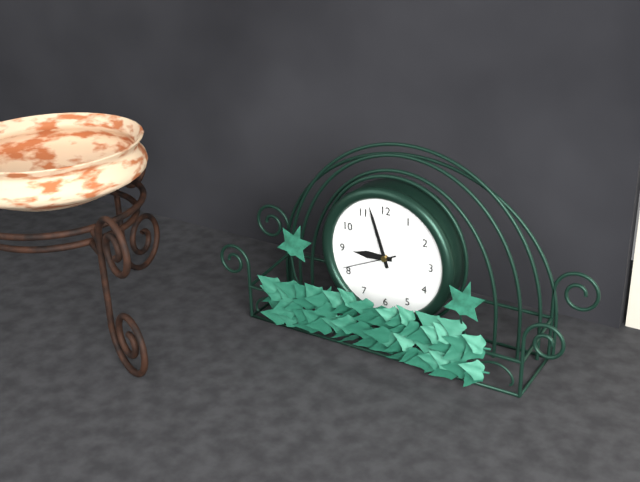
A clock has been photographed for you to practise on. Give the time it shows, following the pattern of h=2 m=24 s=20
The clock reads h=8 m=57 s=41
